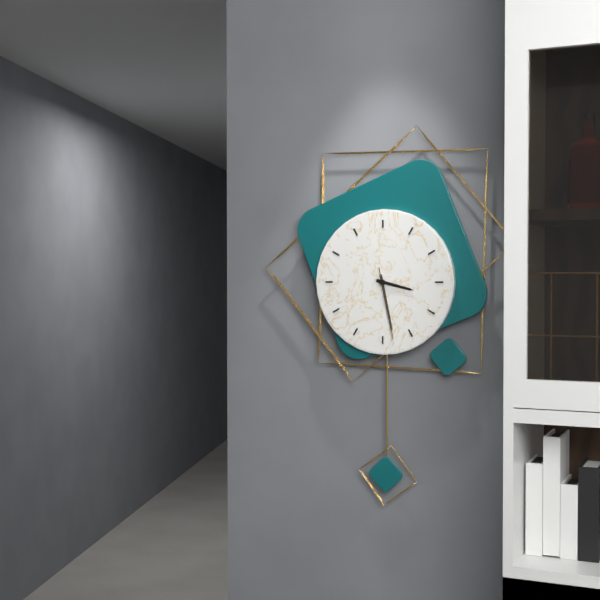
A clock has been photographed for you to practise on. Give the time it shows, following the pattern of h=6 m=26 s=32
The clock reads h=3 m=28 s=28
